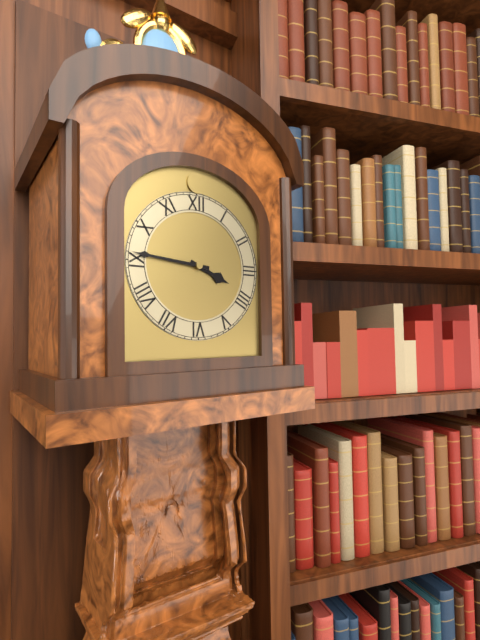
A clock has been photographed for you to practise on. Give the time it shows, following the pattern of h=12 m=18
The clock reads h=3 m=46
